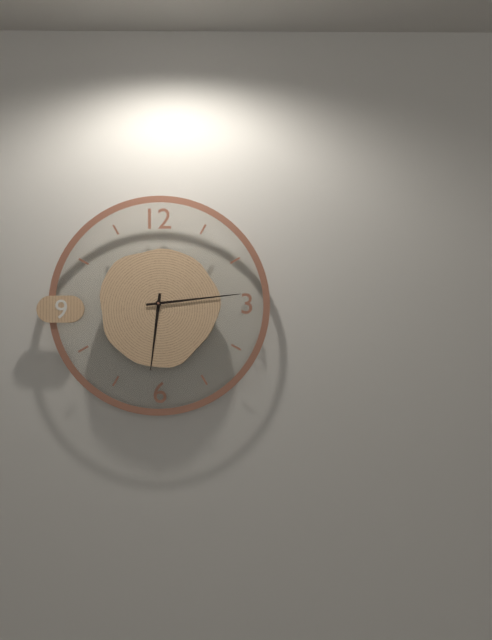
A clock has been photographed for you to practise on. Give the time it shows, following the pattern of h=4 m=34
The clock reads h=6 m=14
